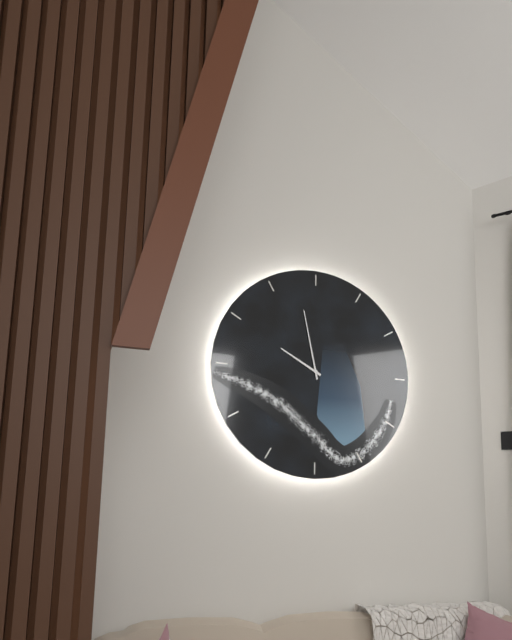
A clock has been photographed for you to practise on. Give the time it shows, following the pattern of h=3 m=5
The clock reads h=9 m=58
